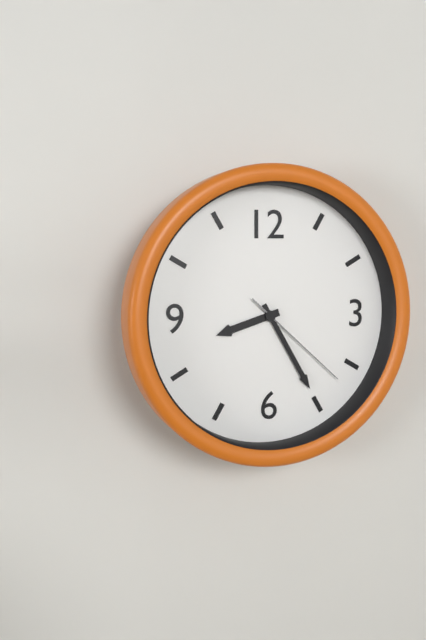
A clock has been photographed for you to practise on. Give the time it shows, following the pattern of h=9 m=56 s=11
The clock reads h=8 m=25 s=22
